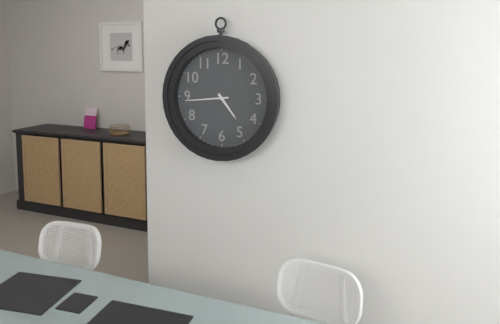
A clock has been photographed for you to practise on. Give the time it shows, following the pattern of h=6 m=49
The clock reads h=4 m=44
